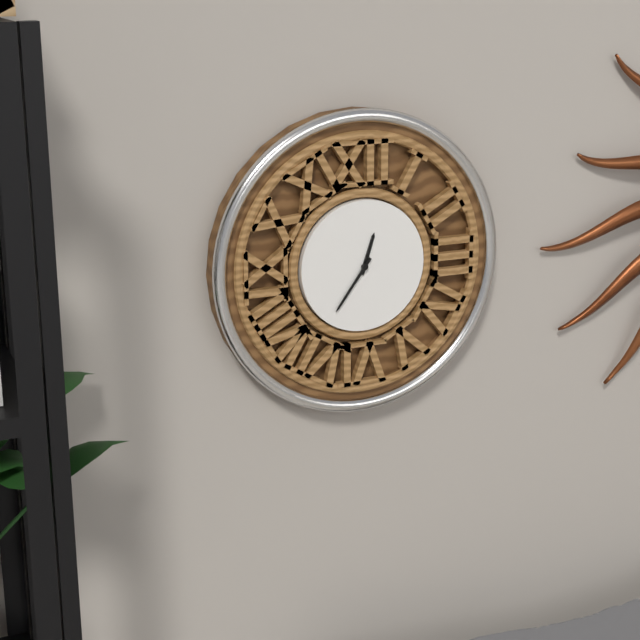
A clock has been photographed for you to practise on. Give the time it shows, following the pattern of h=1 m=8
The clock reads h=12 m=36
